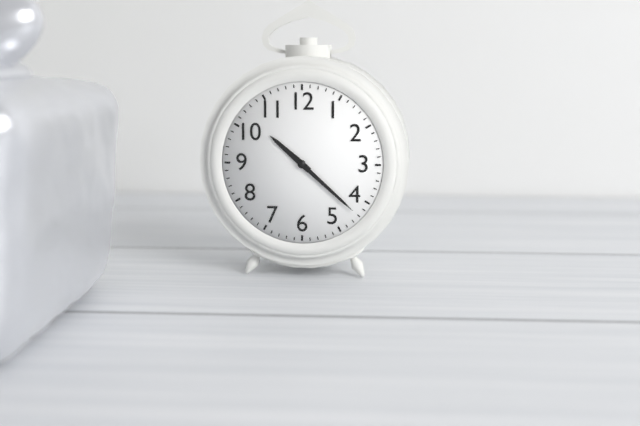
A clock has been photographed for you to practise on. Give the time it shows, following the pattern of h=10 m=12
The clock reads h=10 m=22
